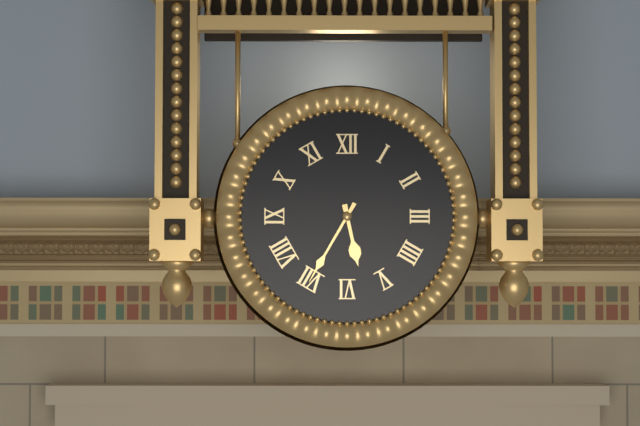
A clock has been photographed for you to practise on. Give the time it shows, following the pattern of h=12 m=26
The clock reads h=5 m=35
